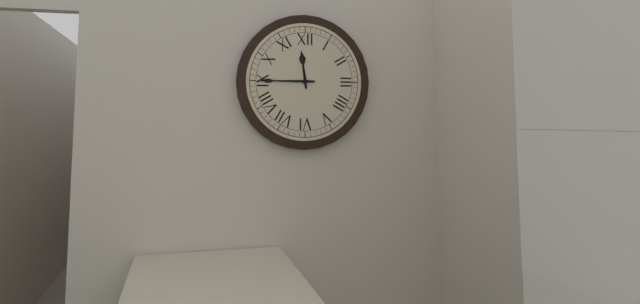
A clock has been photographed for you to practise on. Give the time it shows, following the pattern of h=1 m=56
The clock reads h=11 m=45
